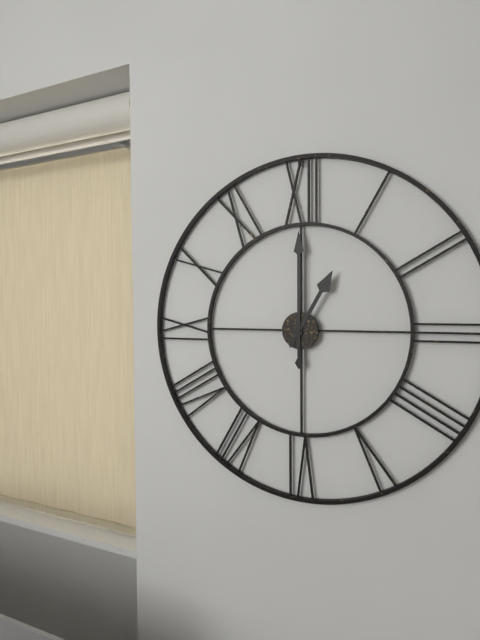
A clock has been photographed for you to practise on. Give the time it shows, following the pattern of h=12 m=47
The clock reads h=1 m=0
